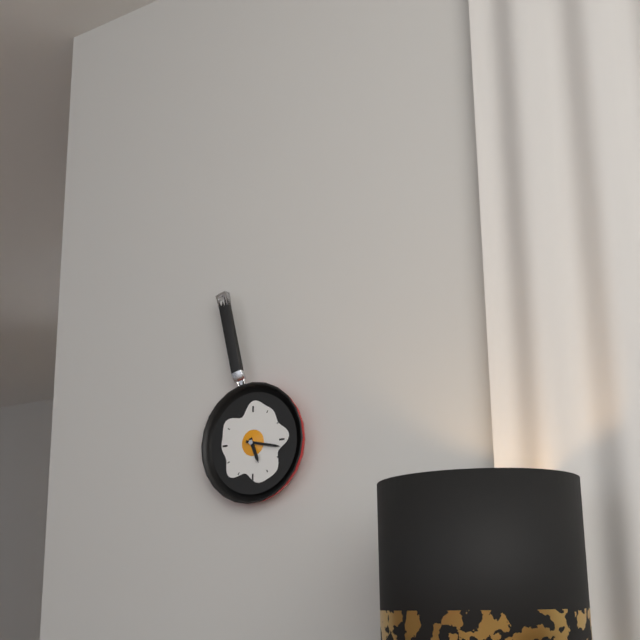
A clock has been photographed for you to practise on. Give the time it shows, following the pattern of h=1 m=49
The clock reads h=5 m=17
